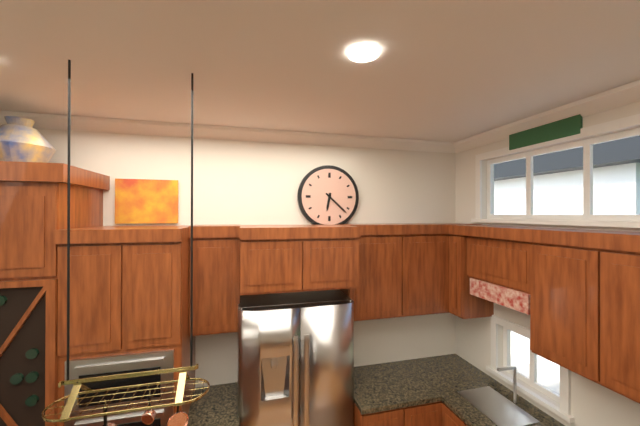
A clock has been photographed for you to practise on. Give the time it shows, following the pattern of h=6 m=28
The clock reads h=6 m=22
